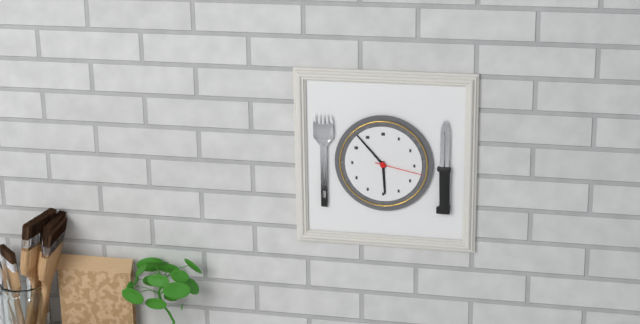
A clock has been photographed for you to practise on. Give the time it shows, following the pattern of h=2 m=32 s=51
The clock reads h=5 m=53 s=17
